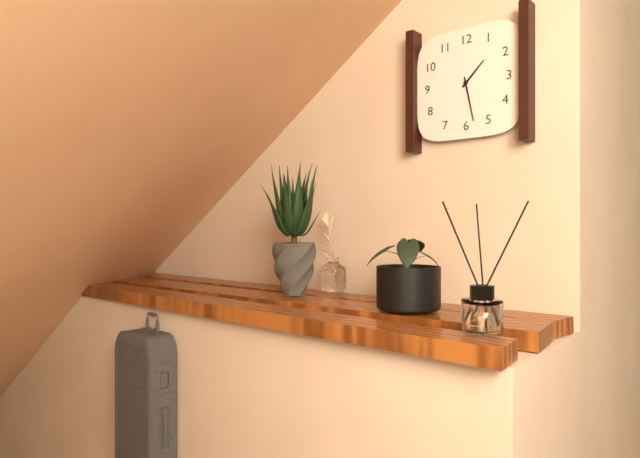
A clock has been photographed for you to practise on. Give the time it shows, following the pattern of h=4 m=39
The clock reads h=1 m=28
